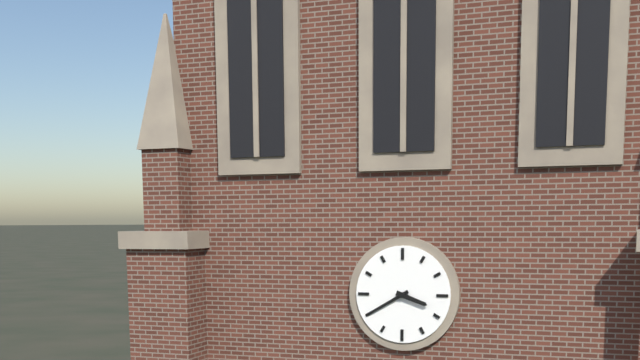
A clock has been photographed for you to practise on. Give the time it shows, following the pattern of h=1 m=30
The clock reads h=3 m=40
